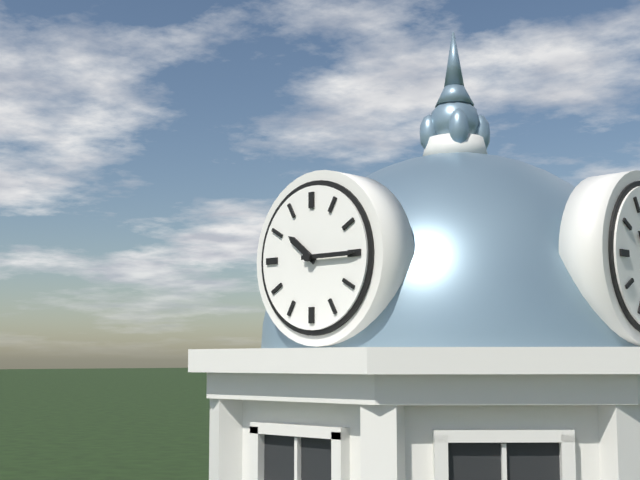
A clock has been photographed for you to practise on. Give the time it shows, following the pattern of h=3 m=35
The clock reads h=10 m=15
